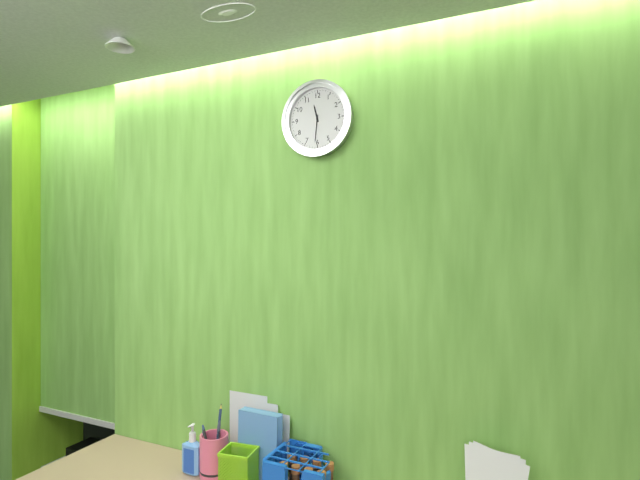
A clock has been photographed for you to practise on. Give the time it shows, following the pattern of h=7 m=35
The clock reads h=11 m=31
